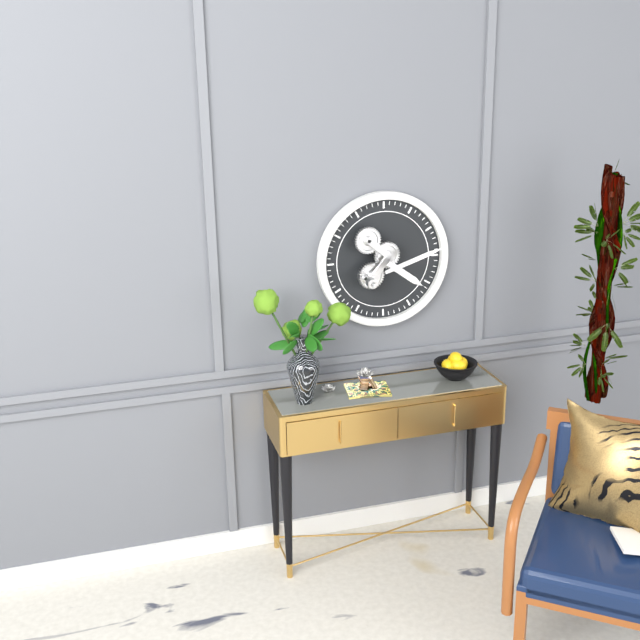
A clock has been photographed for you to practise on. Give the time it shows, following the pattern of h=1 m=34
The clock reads h=4 m=12
